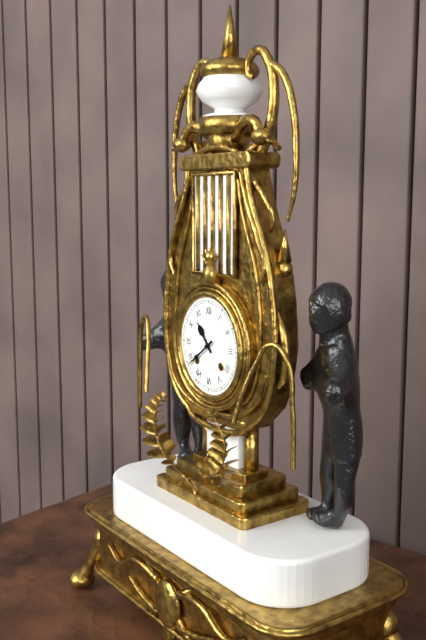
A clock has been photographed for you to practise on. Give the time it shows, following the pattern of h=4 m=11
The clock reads h=10 m=39
